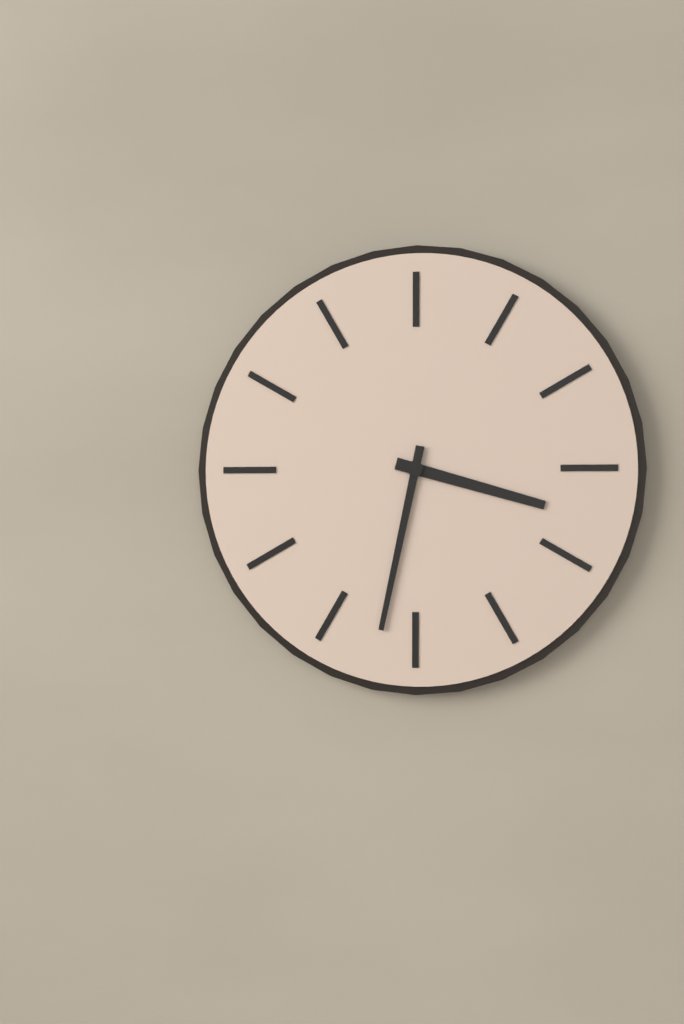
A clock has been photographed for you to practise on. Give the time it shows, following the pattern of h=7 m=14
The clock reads h=3 m=32
